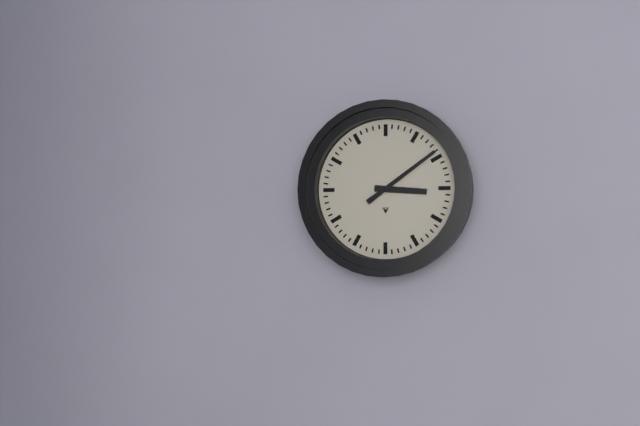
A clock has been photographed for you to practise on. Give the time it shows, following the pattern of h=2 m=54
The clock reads h=3 m=9
